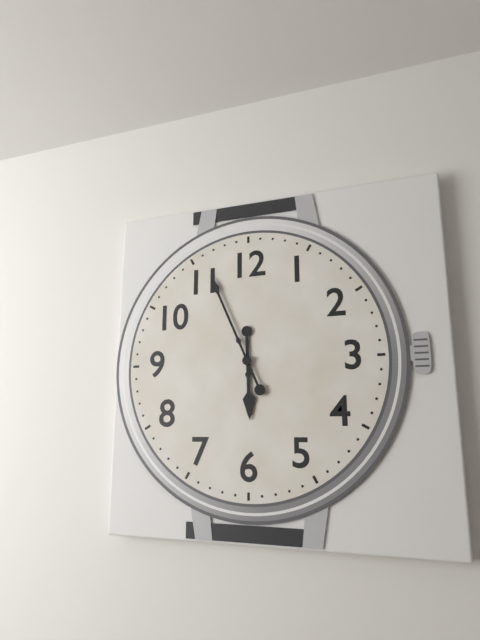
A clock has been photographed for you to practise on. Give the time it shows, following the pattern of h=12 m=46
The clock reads h=5 m=56
